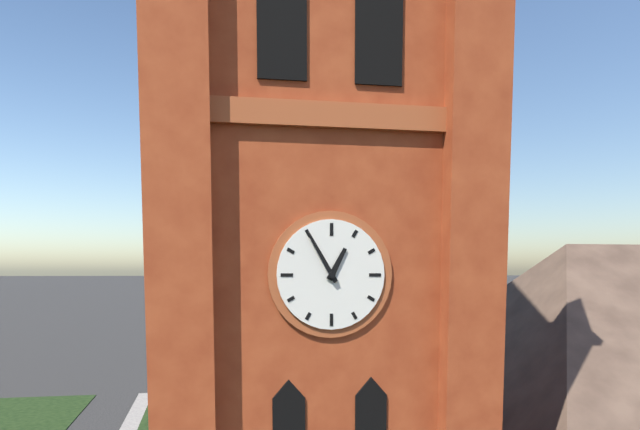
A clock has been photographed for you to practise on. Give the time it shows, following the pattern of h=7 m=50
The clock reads h=12 m=55
